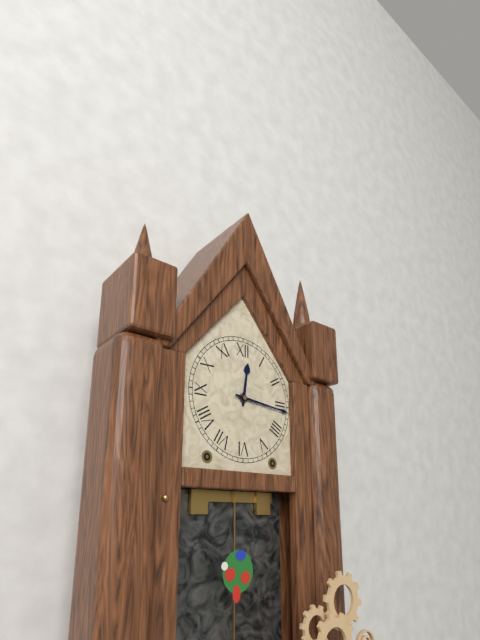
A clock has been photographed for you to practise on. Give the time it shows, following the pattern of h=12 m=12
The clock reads h=12 m=16
